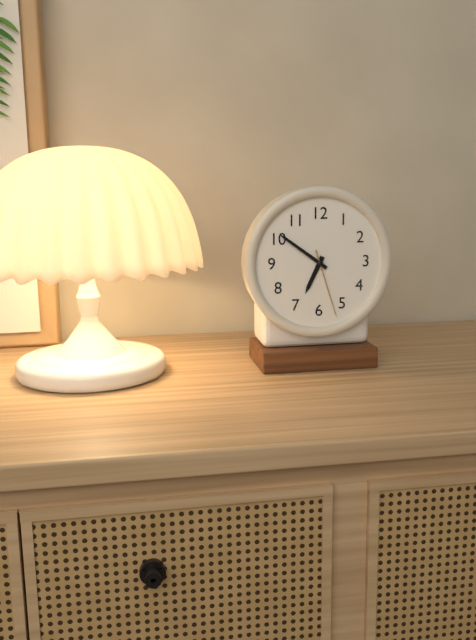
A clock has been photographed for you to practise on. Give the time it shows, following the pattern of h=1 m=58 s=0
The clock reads h=6 m=51 s=27
